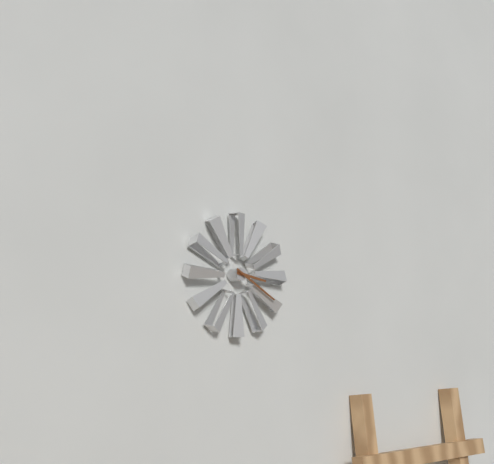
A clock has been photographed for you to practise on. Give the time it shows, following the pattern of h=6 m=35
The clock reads h=3 m=20
